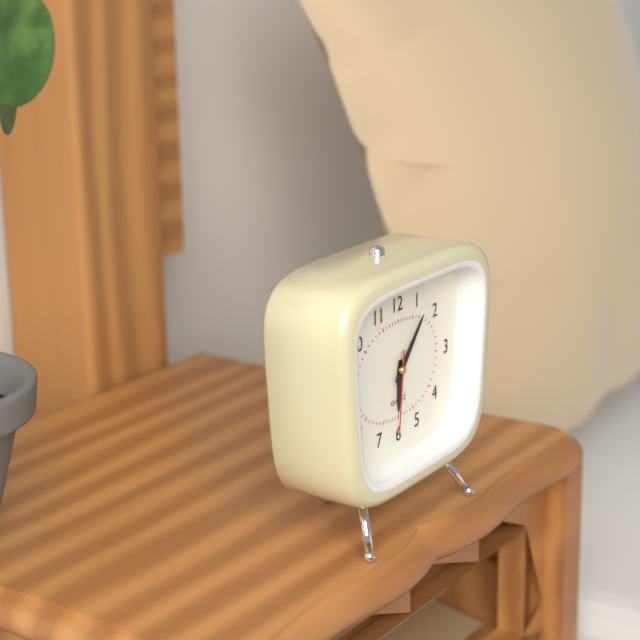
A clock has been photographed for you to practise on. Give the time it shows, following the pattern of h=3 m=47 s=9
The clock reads h=6 m=7 s=31
